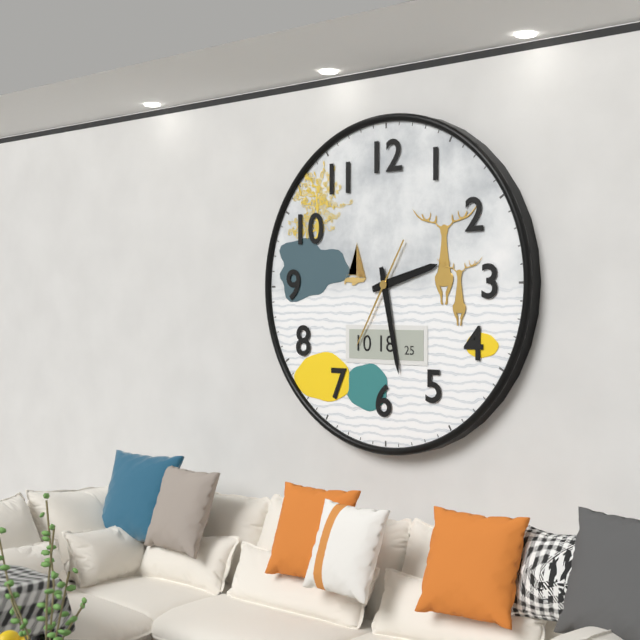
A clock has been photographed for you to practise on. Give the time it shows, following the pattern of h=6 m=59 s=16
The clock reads h=2 m=28 s=35
